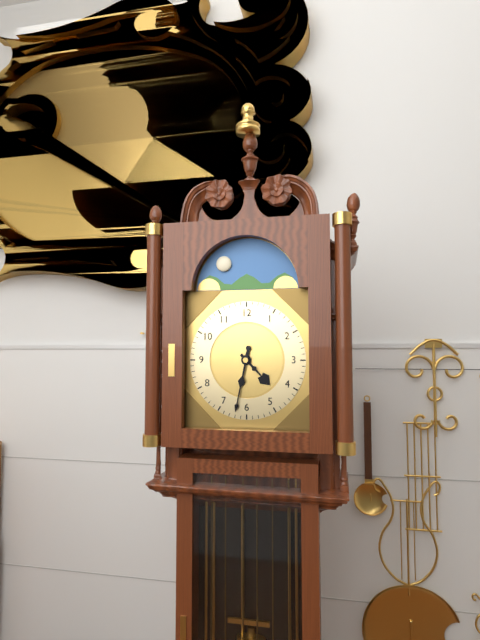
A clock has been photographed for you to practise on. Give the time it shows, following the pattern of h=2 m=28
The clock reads h=4 m=32
